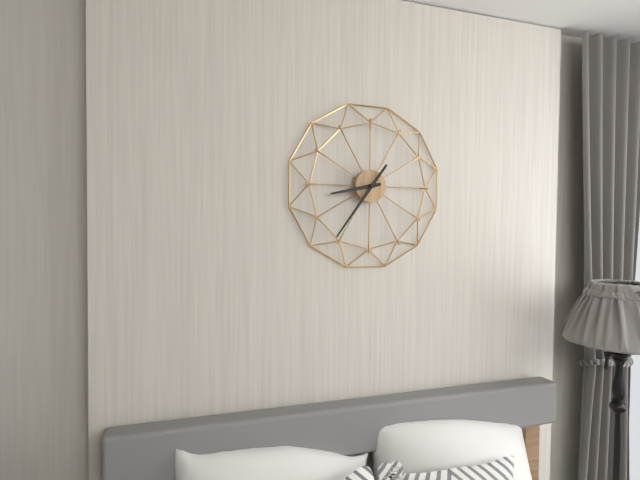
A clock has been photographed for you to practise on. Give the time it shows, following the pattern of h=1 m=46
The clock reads h=8 m=36
